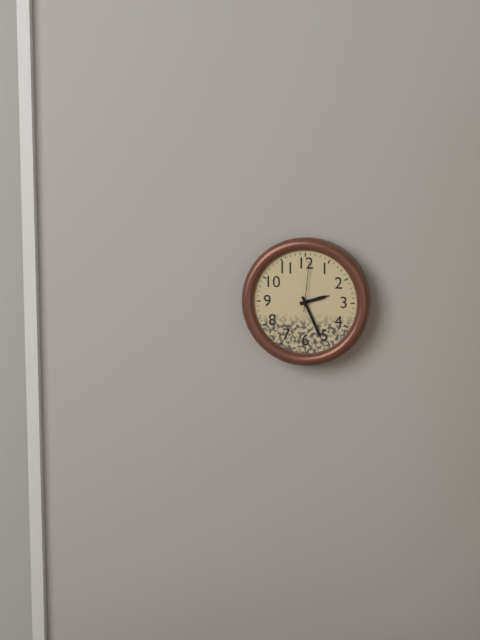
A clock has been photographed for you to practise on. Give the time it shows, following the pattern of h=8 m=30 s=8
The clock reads h=2 m=26 s=1
